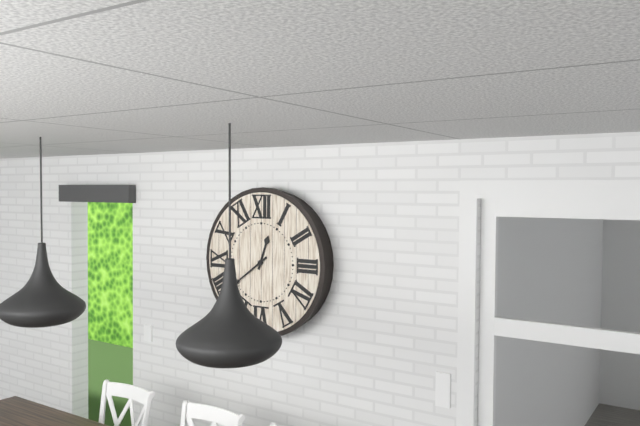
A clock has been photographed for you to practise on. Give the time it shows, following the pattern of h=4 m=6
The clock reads h=12 m=39
